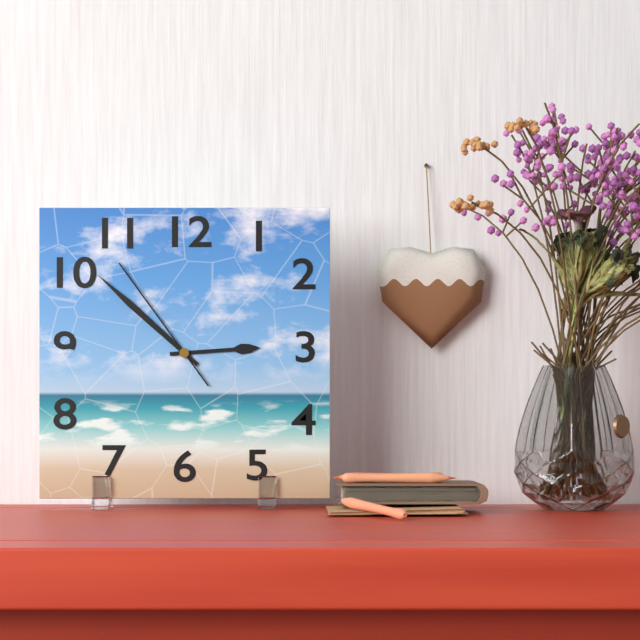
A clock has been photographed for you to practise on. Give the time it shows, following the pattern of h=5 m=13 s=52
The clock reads h=2 m=52 s=54
